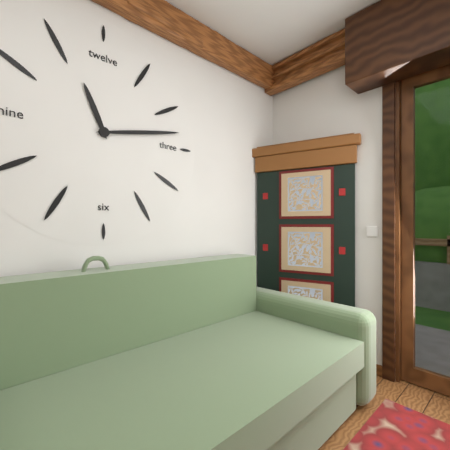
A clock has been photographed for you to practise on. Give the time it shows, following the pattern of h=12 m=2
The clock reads h=11 m=13
